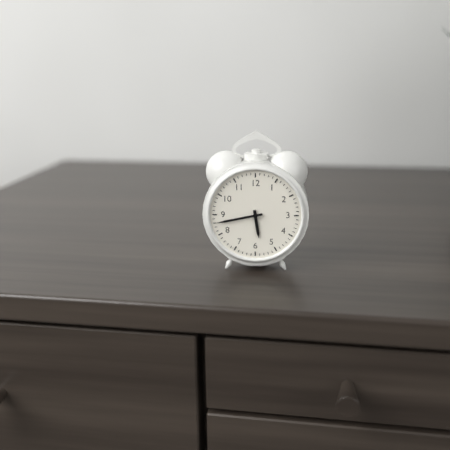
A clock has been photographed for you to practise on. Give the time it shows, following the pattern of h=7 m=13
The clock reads h=5 m=43
